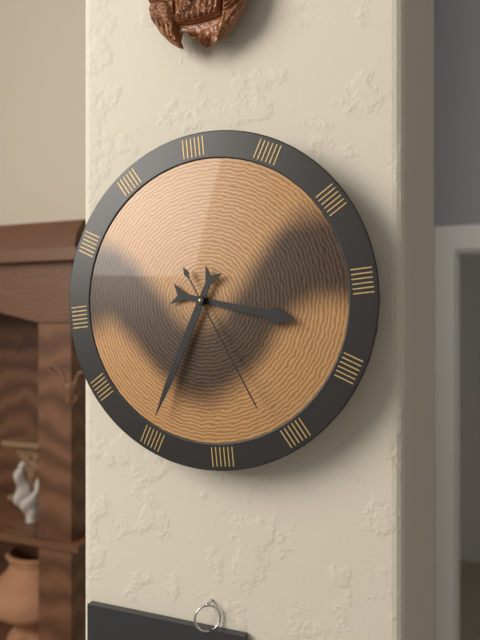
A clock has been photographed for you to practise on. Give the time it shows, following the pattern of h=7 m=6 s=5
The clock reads h=3 m=35 s=26
